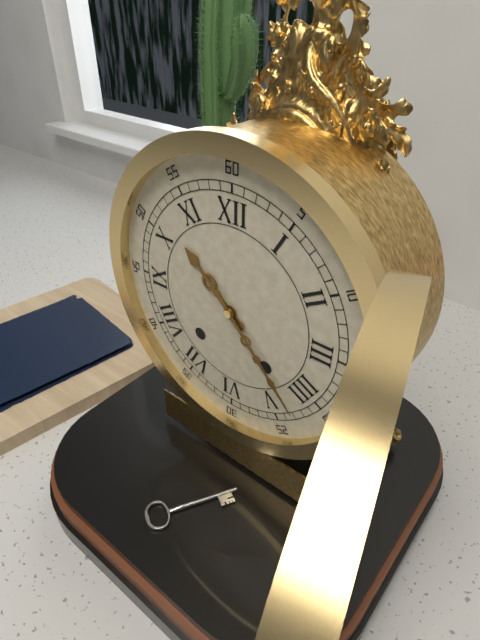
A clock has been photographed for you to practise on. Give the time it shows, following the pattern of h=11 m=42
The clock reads h=10 m=23
